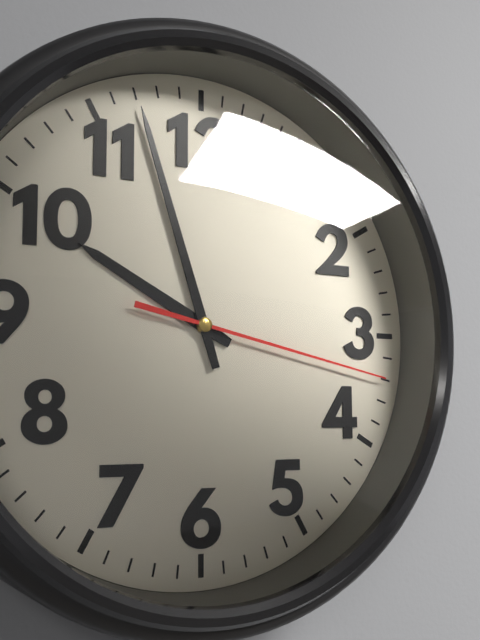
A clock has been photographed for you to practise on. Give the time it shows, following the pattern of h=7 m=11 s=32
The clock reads h=9 m=57 s=17
